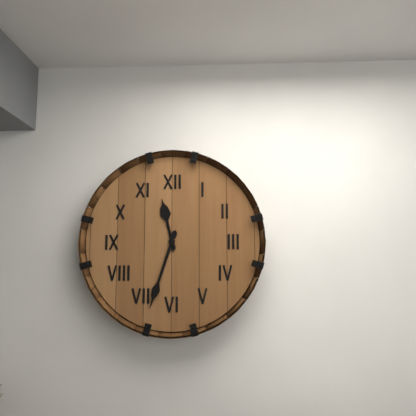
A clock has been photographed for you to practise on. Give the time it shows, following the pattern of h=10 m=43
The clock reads h=11 m=33
